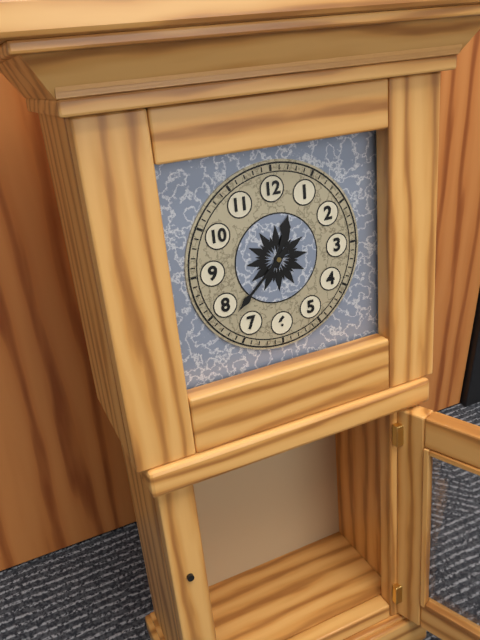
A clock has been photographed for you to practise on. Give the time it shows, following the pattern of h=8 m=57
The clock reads h=12 m=38
